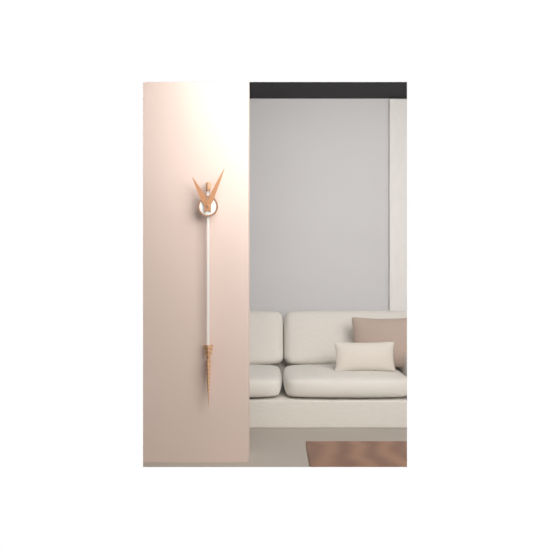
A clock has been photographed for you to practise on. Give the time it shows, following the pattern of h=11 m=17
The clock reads h=11 m=4
